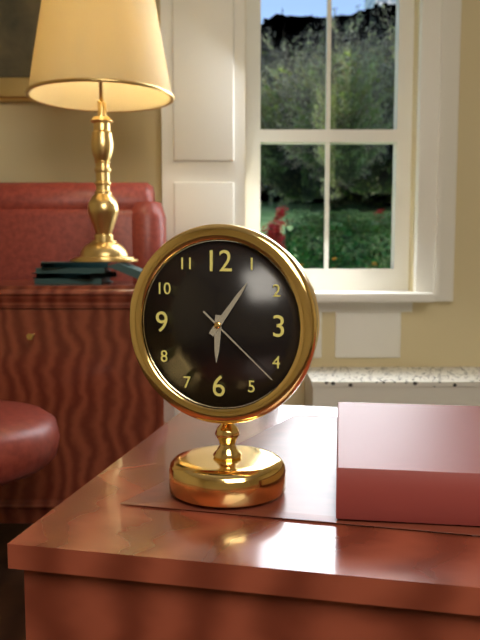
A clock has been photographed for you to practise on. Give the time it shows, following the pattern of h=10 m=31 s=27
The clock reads h=6 m=6 s=22
